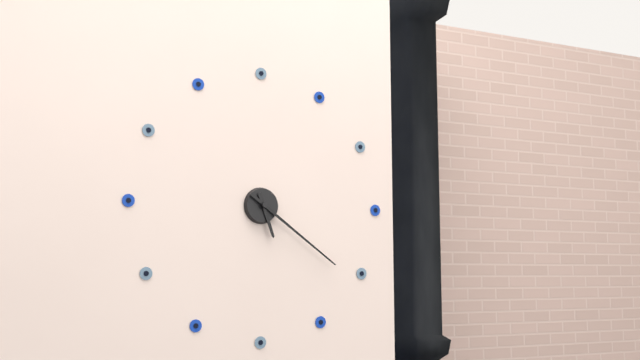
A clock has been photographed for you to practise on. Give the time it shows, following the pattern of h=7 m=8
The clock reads h=5 m=21
